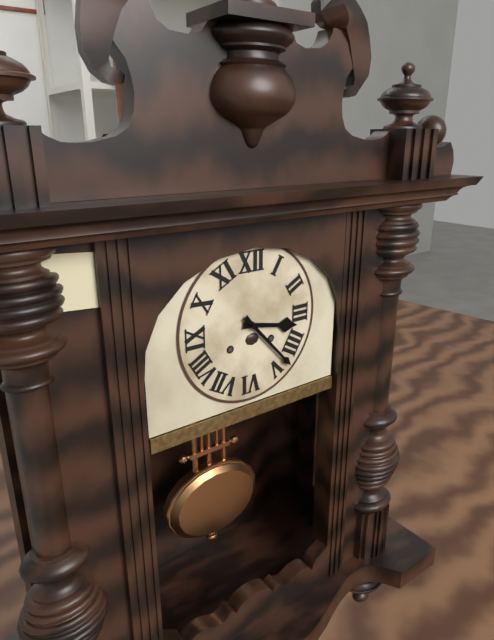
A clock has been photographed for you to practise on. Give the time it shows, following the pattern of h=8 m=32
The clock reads h=3 m=23
